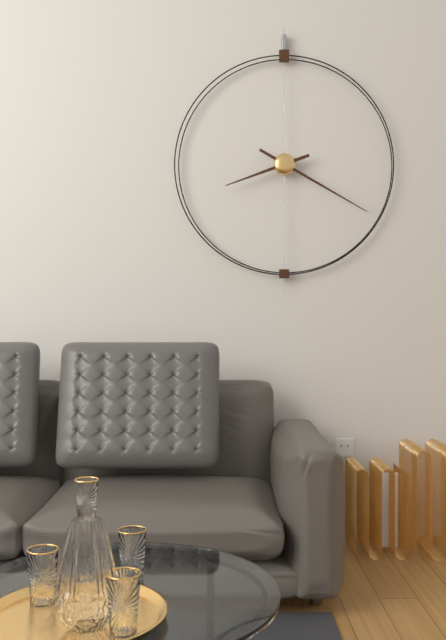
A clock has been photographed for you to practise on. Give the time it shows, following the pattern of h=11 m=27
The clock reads h=8 m=20
